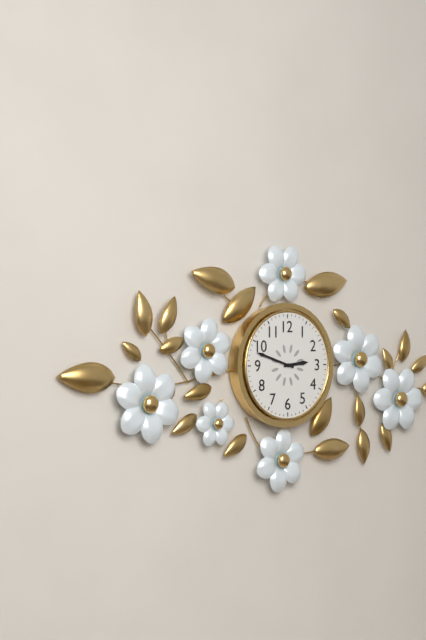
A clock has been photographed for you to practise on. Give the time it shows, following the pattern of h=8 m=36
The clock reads h=2 m=48
